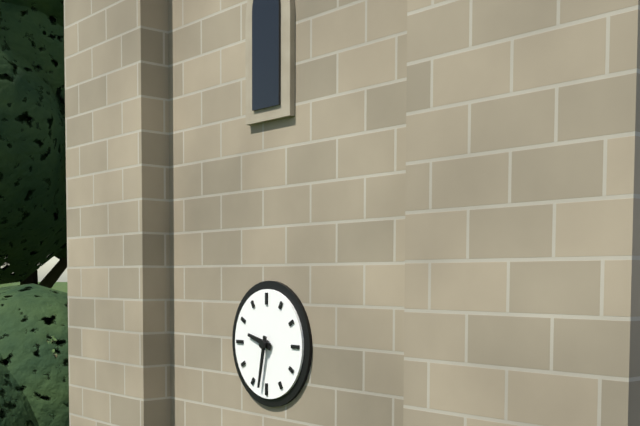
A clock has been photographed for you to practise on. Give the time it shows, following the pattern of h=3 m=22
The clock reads h=9 m=32
